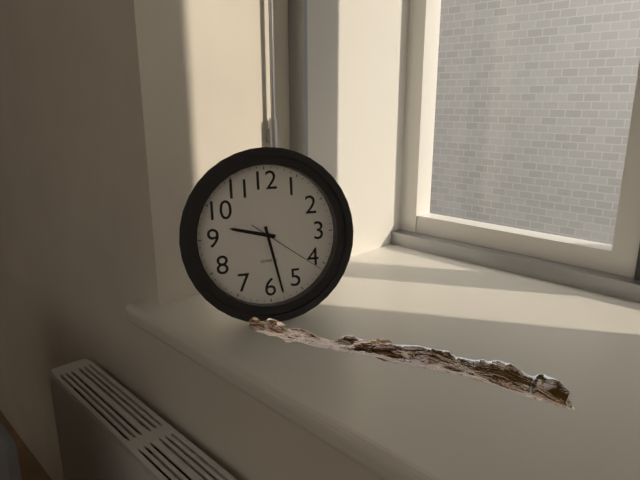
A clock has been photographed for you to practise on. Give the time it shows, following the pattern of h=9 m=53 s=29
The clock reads h=9 m=28 s=21
